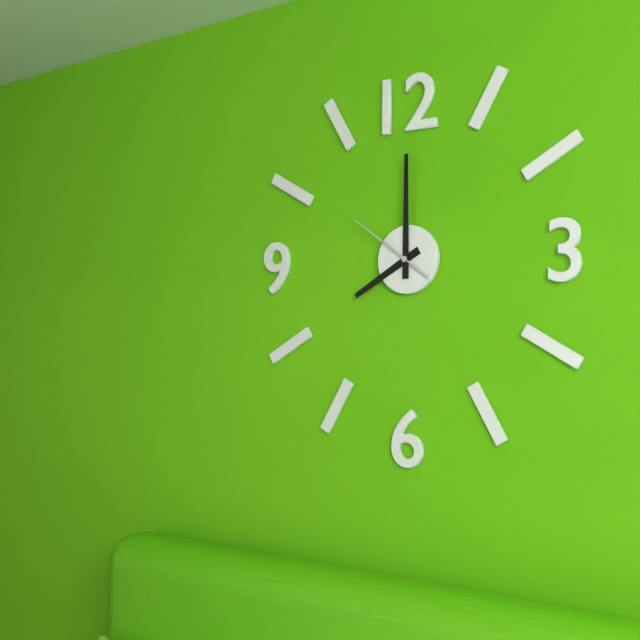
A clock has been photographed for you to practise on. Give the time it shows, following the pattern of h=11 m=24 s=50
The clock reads h=8 m=0 s=51
